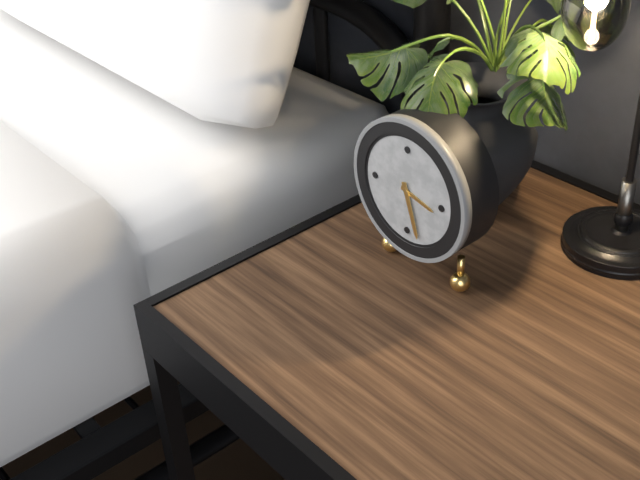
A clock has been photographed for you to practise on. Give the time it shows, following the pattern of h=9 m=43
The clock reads h=3 m=27
